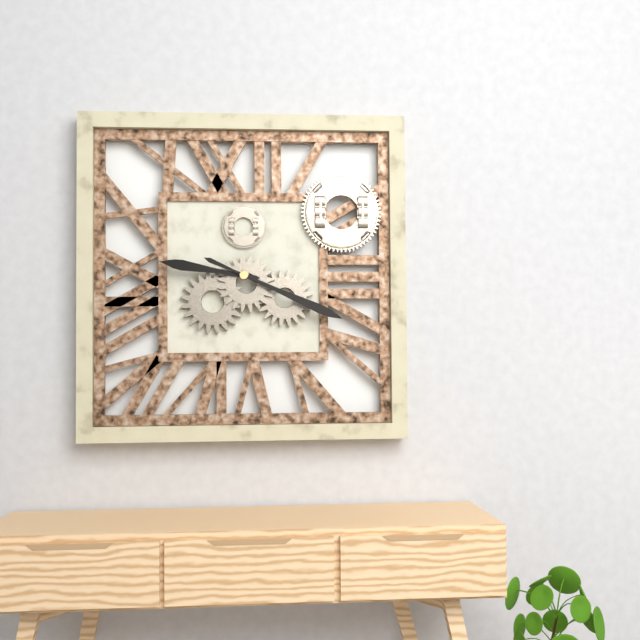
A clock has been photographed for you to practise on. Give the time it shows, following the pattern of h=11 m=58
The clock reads h=9 m=19
